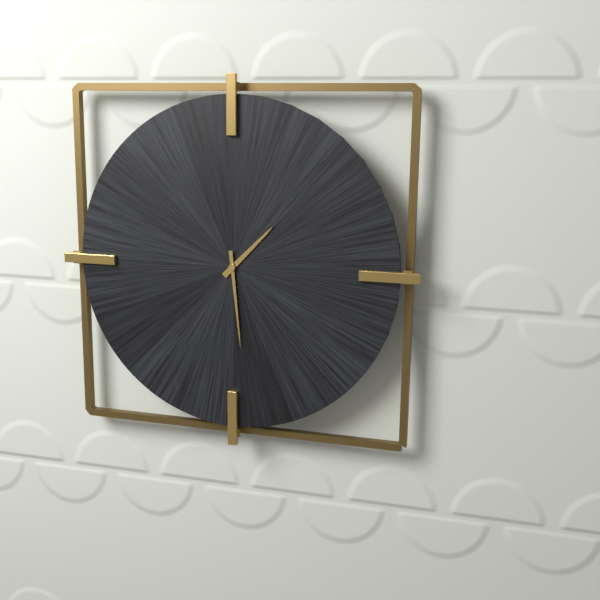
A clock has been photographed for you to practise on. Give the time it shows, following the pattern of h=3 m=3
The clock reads h=1 m=29
